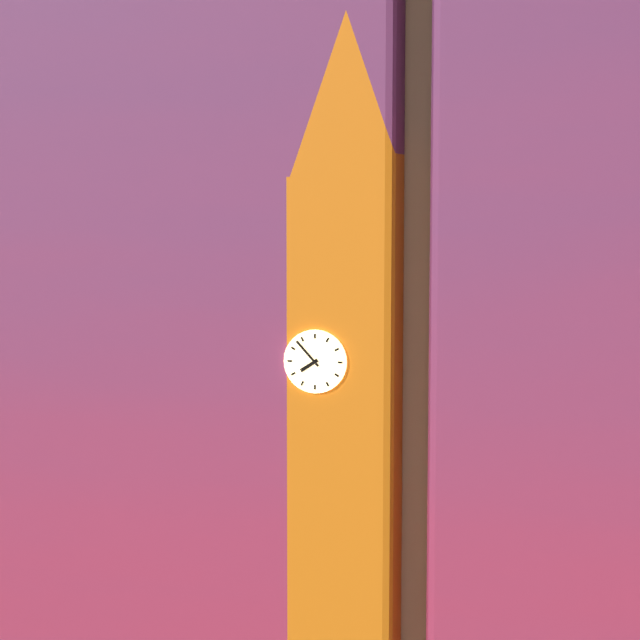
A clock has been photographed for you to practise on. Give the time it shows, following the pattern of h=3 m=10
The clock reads h=7 m=53
